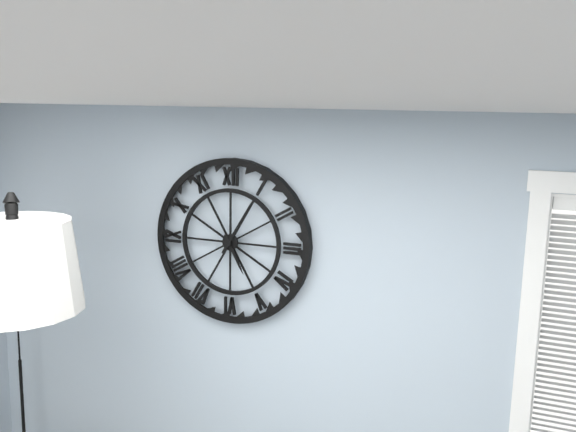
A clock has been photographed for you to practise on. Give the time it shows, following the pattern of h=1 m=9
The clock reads h=5 m=5
